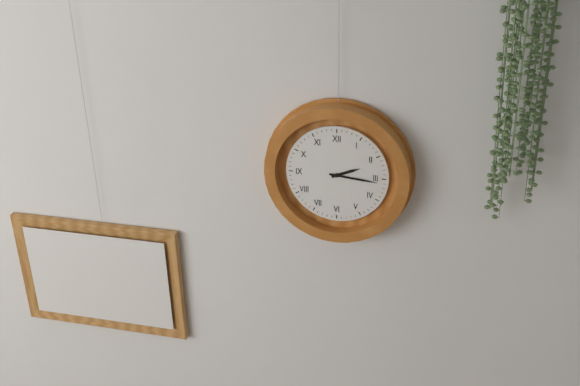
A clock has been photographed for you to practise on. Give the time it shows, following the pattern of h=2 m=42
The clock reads h=2 m=16
